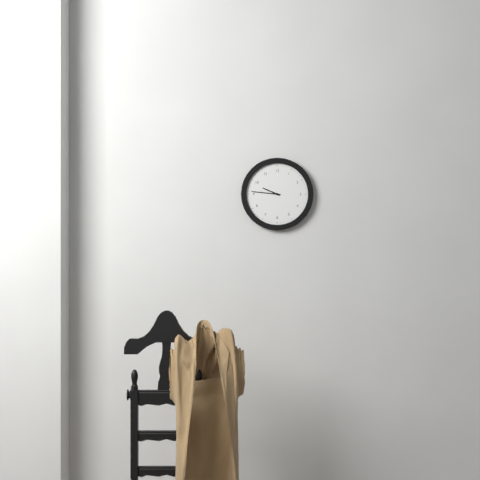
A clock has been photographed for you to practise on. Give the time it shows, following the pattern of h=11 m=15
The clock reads h=9 m=46
